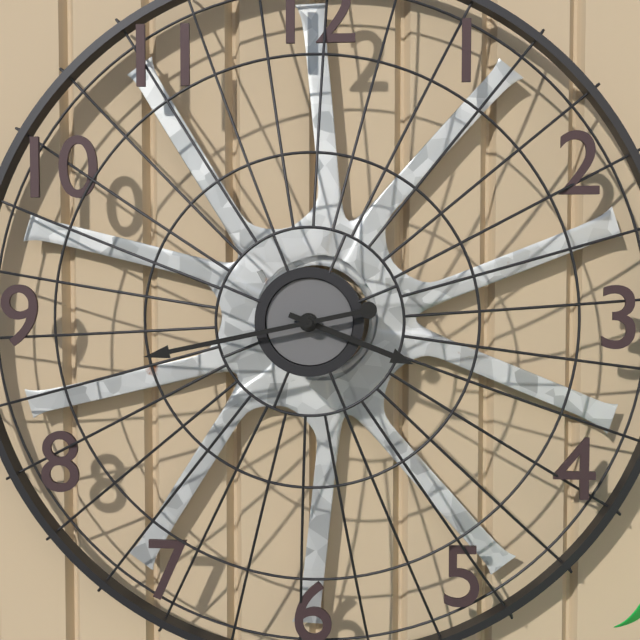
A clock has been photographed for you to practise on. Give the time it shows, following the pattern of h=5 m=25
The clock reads h=3 m=43
